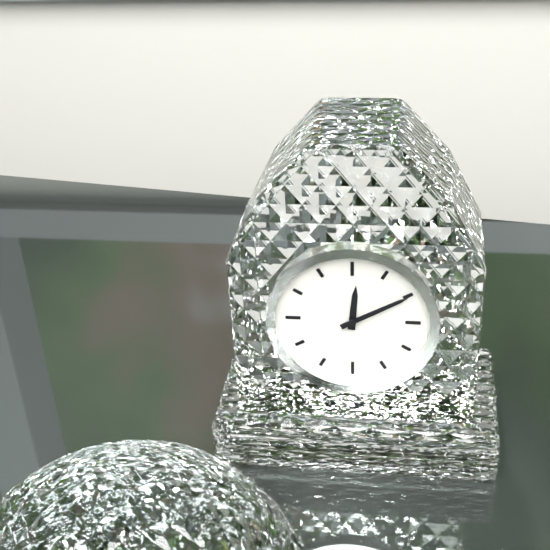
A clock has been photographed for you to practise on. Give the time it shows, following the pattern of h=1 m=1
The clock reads h=12 m=10
